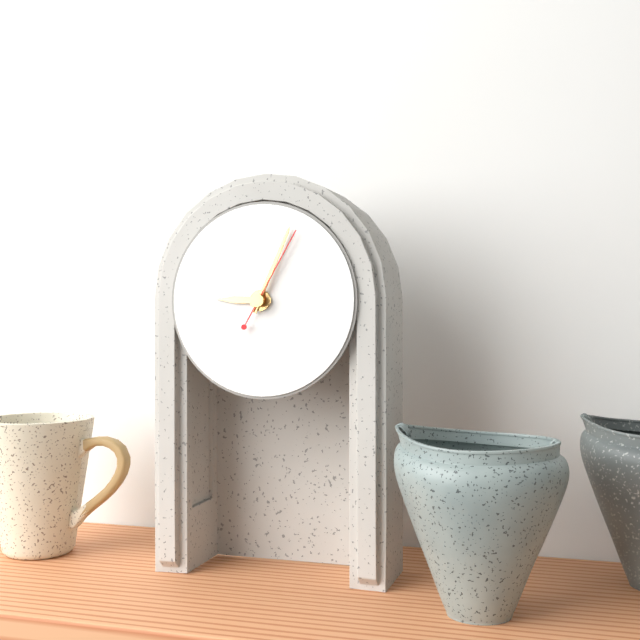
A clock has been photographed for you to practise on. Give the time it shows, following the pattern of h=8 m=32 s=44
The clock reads h=9 m=4 s=5
